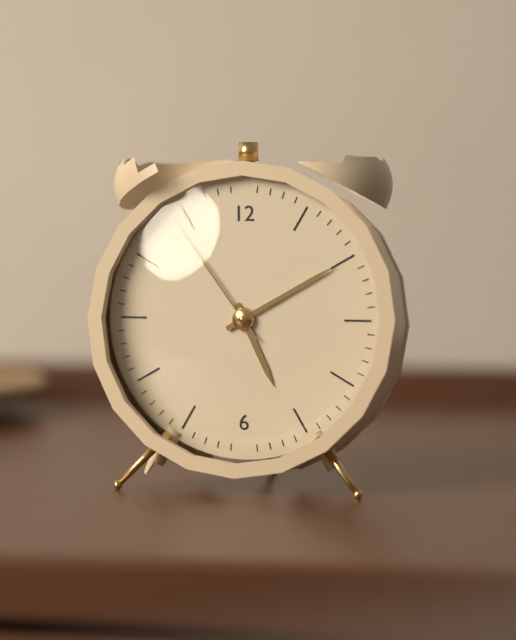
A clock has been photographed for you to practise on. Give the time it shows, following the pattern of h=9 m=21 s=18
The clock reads h=5 m=10 s=54
